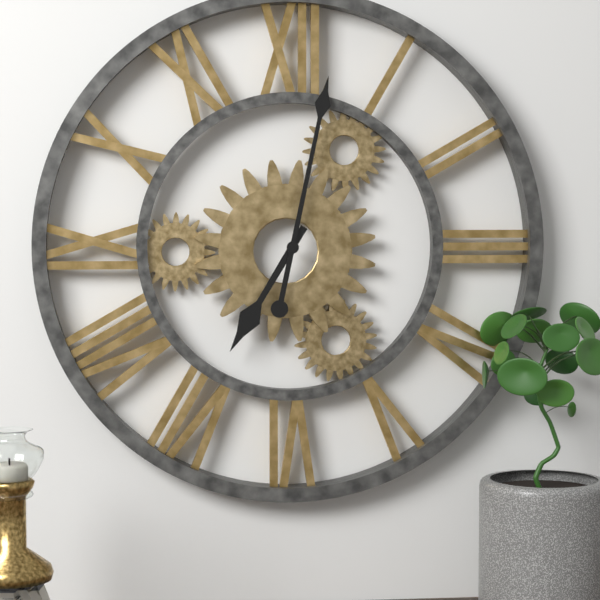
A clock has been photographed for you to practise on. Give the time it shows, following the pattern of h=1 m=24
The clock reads h=7 m=2
